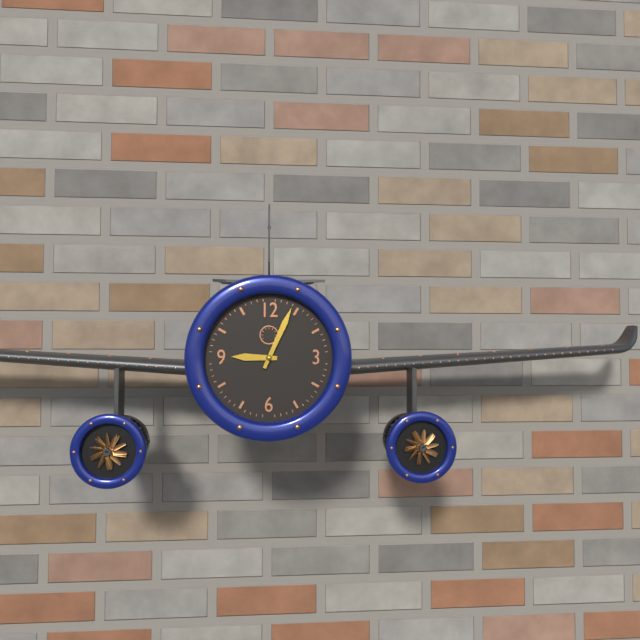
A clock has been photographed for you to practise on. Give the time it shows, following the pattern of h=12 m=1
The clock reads h=9 m=4
